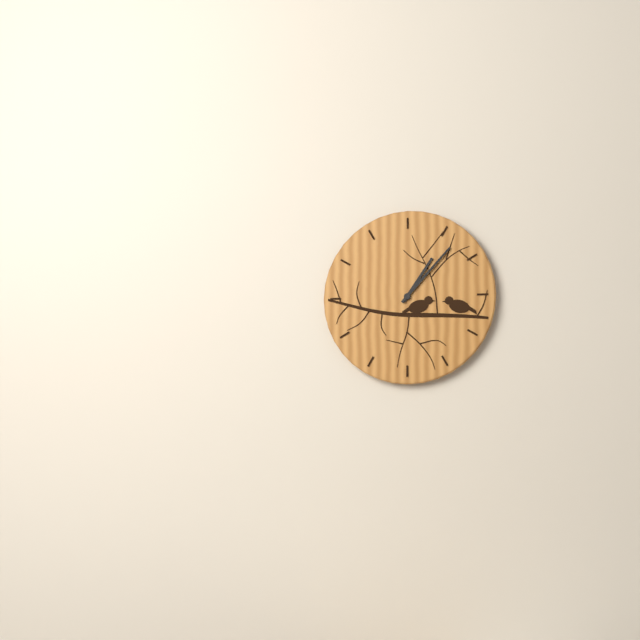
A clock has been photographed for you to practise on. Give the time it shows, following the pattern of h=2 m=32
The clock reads h=1 m=7
